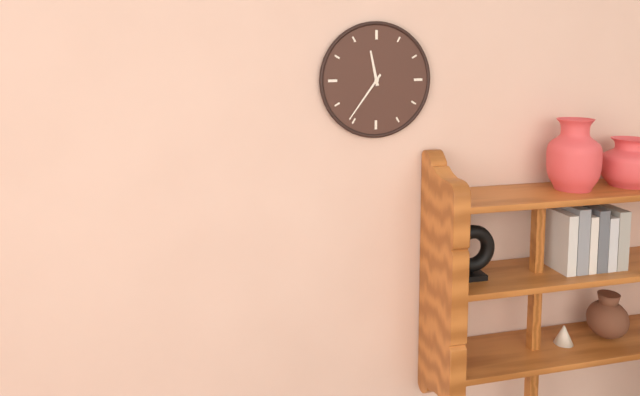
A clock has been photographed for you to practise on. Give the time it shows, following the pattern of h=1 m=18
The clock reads h=11 m=36
